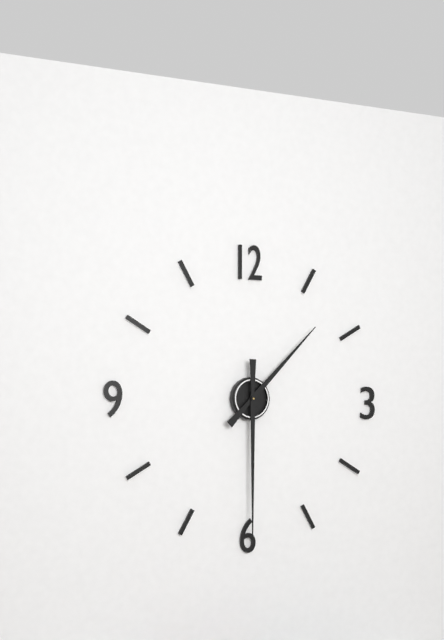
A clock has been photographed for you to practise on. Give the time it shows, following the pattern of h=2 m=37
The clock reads h=1 m=30
